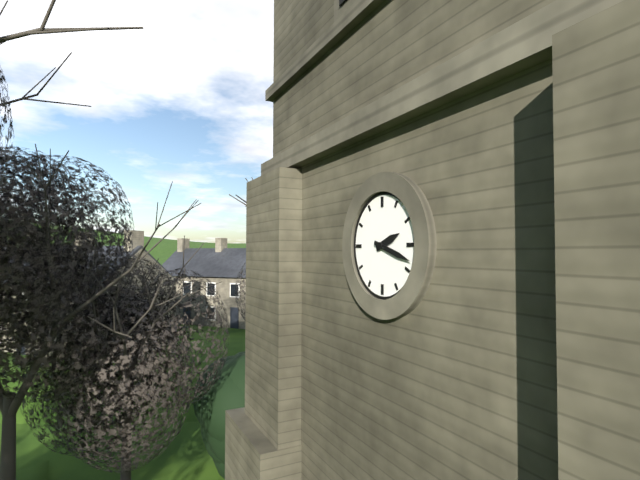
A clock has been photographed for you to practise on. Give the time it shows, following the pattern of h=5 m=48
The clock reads h=2 m=18
